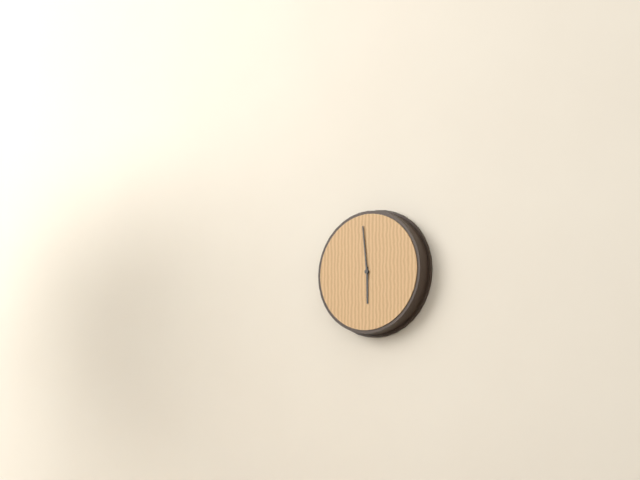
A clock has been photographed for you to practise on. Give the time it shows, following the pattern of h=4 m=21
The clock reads h=5 m=59
